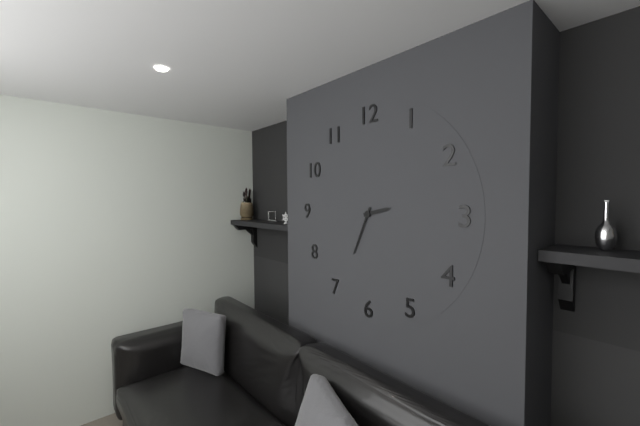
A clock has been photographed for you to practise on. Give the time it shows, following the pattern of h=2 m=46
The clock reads h=2 m=34
